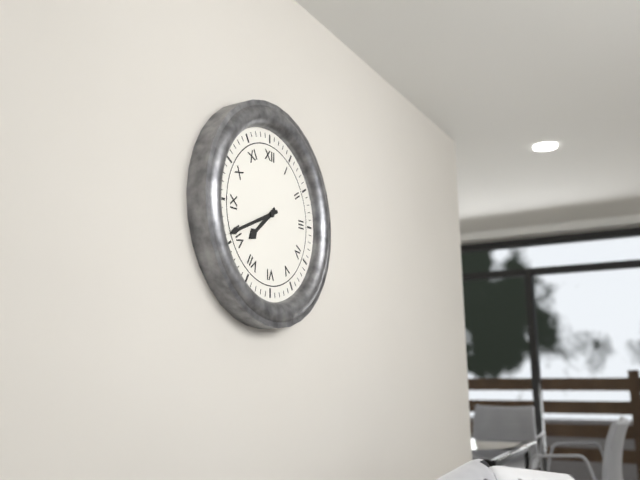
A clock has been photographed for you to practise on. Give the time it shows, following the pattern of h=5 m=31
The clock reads h=7 m=41
